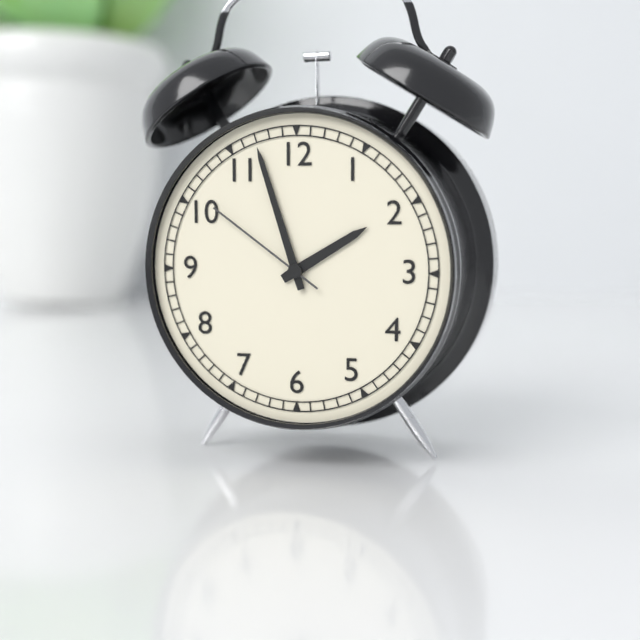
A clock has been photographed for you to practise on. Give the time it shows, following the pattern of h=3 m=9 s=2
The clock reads h=1 m=57 s=51
